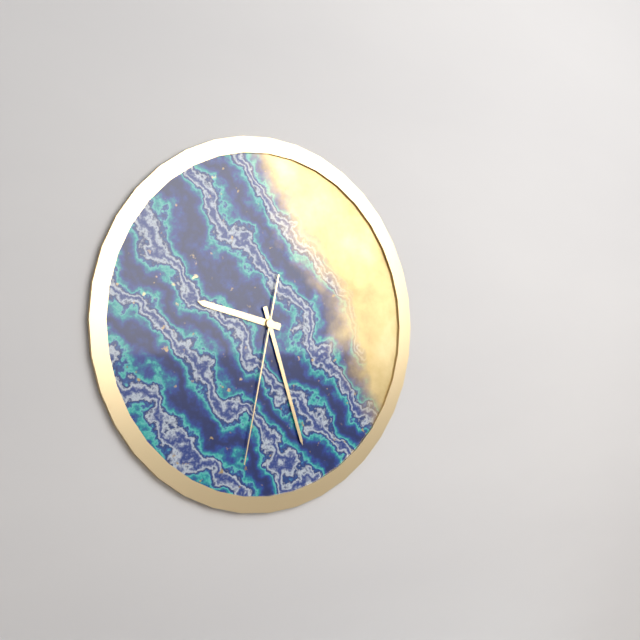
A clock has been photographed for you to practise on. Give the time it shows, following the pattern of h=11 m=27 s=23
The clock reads h=9 m=27 s=32
